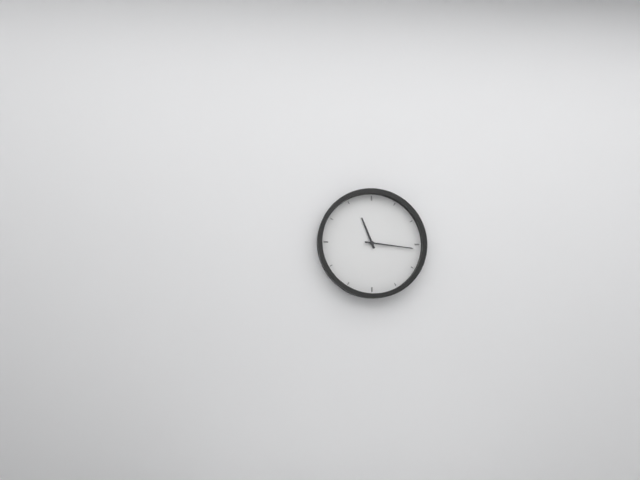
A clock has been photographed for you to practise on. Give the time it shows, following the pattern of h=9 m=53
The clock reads h=11 m=16
